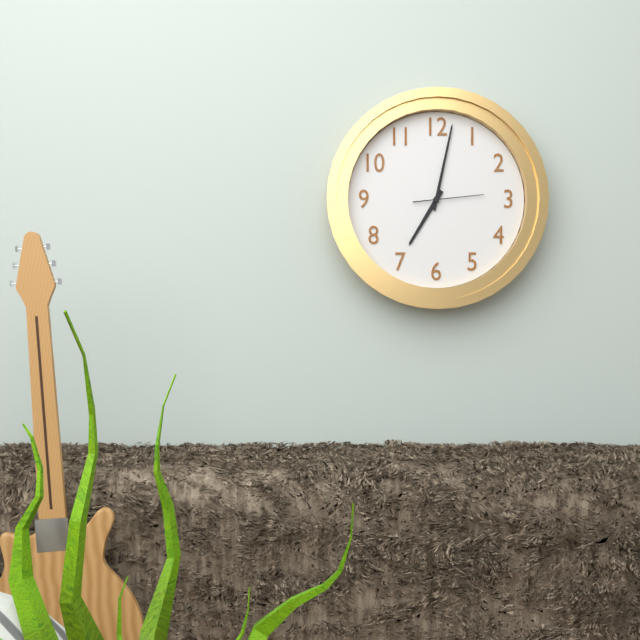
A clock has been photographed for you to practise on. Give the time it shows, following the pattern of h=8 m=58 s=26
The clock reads h=7 m=2 s=14
